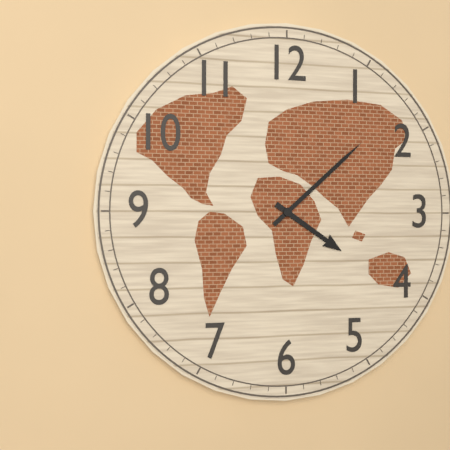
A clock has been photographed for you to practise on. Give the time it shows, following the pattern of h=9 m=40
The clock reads h=4 m=8
